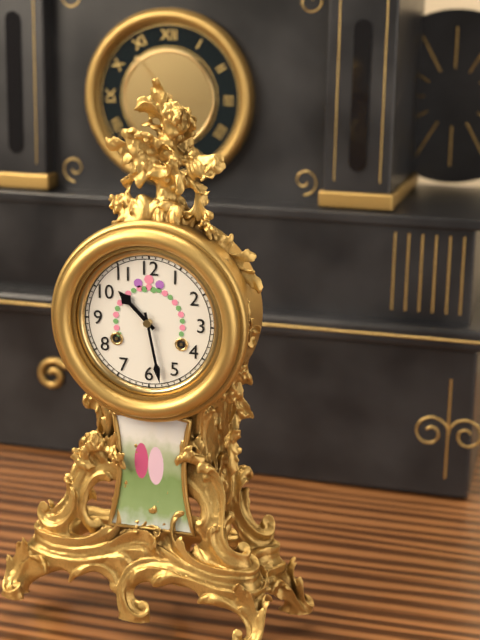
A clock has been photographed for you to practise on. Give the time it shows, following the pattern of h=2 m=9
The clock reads h=10 m=28
